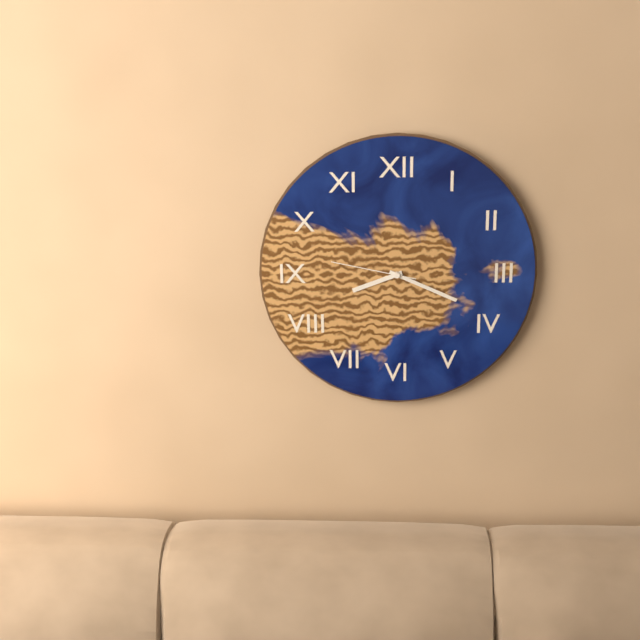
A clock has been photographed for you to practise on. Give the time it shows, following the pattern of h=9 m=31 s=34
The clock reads h=8 m=19 s=47
